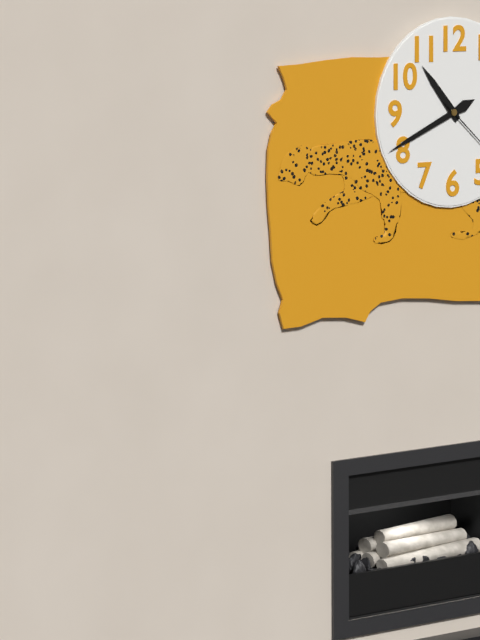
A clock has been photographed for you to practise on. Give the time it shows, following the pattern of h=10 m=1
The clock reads h=10 m=41
